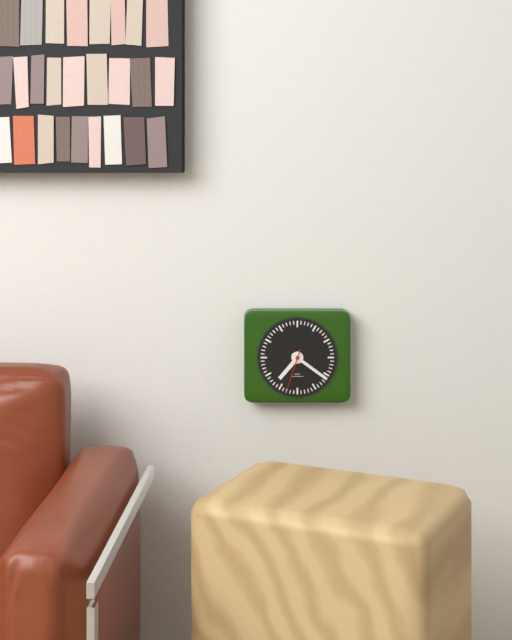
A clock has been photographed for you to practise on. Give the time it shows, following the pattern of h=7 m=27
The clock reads h=7 m=21
